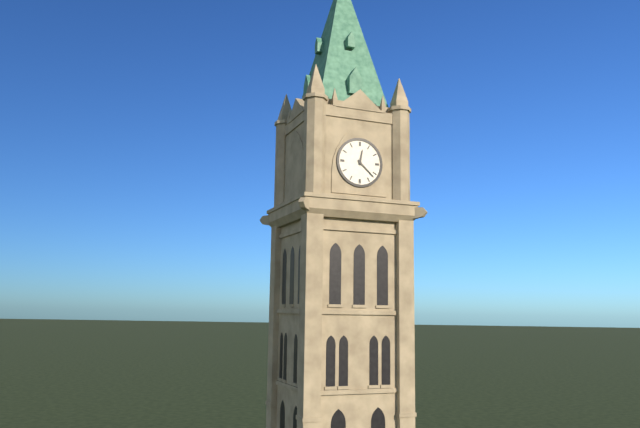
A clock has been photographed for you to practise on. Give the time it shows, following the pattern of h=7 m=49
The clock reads h=12 m=22
